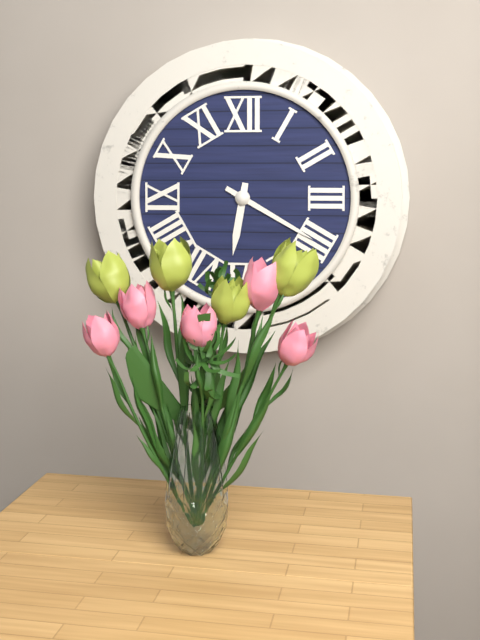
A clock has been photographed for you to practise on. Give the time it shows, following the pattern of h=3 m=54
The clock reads h=6 m=20
